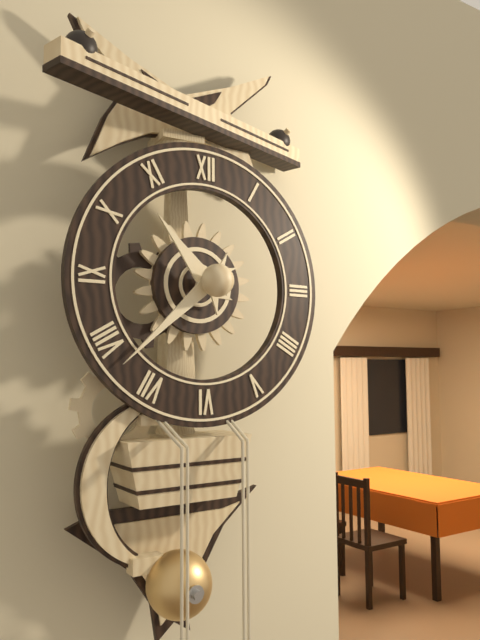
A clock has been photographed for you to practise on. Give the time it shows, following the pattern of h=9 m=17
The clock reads h=10 m=38
